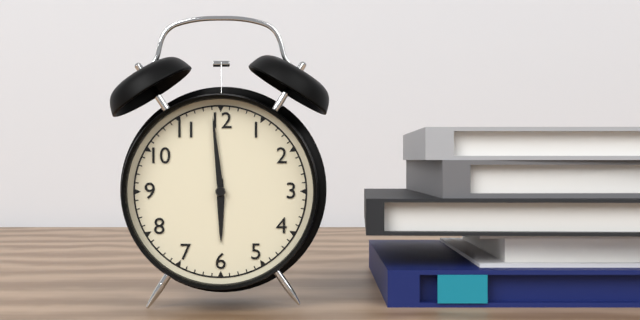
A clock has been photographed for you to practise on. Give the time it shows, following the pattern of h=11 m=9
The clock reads h=5 m=59
